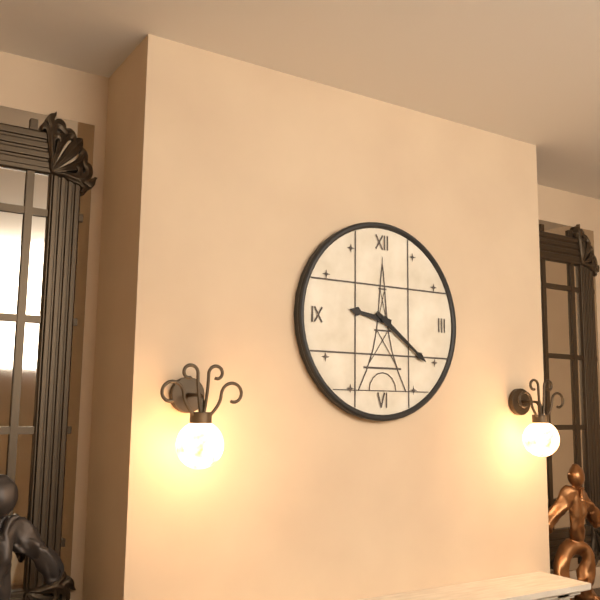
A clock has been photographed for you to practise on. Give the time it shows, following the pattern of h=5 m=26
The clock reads h=9 m=21
